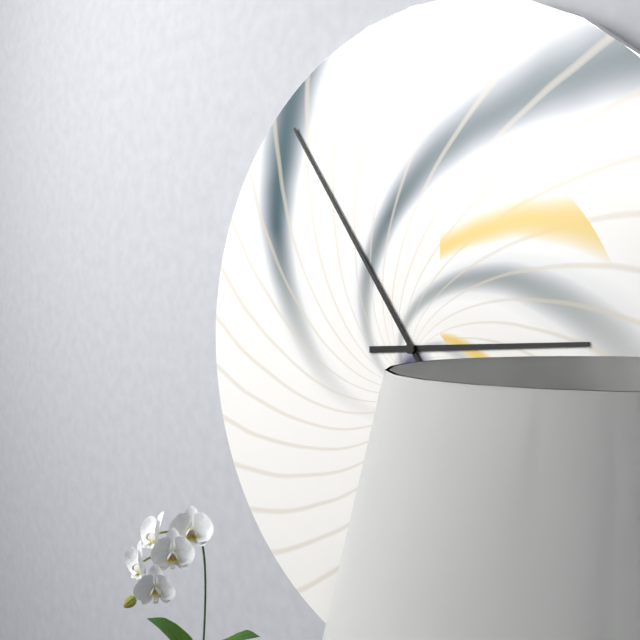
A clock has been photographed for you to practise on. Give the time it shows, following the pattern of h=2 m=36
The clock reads h=2 m=54
